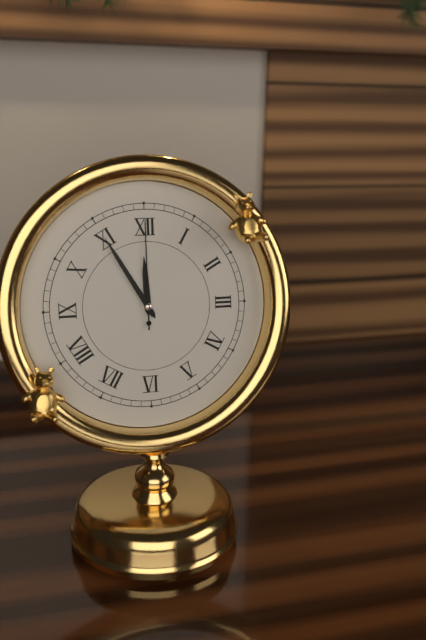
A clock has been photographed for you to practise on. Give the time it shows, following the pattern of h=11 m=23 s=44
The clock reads h=11 m=55 s=0
